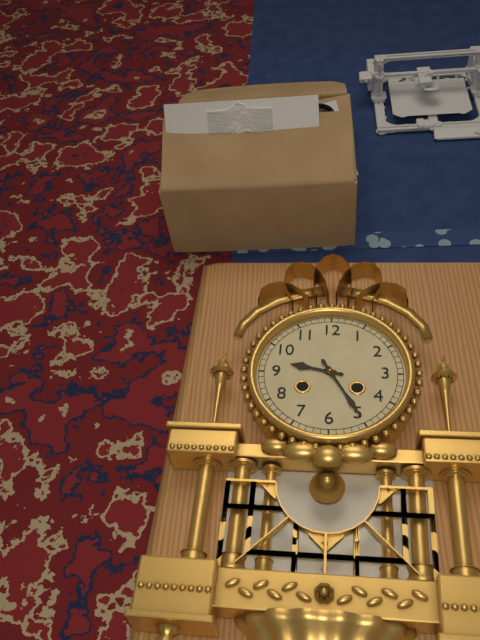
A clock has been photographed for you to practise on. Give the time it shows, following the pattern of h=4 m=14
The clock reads h=9 m=25
